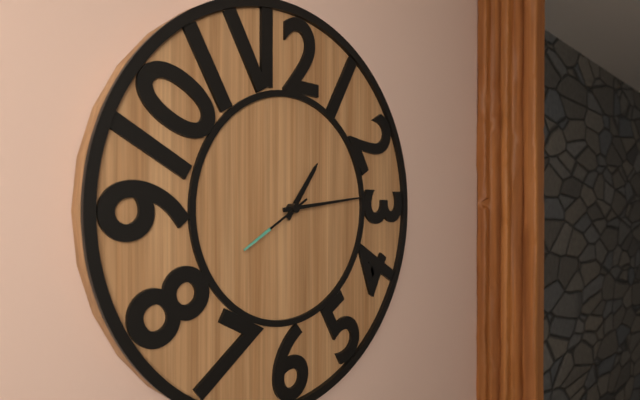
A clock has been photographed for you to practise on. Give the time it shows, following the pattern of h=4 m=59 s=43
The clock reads h=1 m=14 s=40
